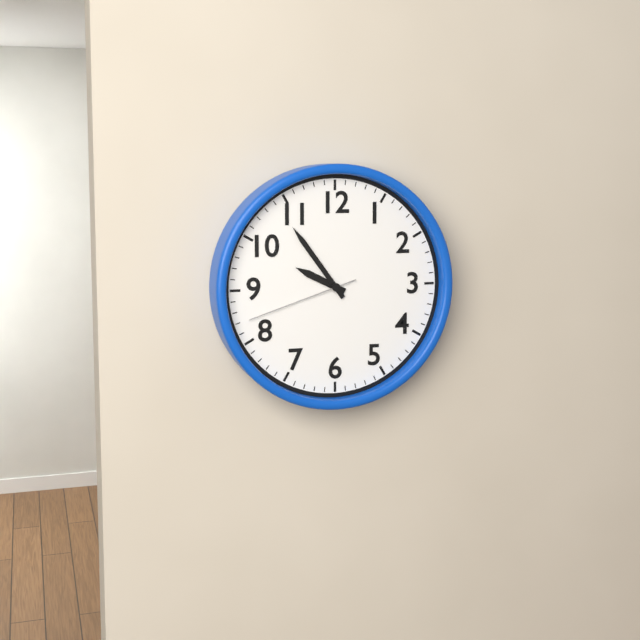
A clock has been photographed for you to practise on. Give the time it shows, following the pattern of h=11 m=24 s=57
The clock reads h=9 m=54 s=42
